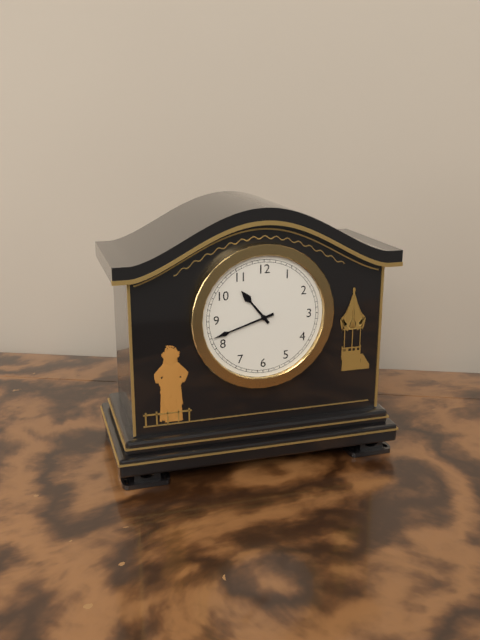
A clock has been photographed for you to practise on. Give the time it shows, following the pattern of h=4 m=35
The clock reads h=10 m=42
